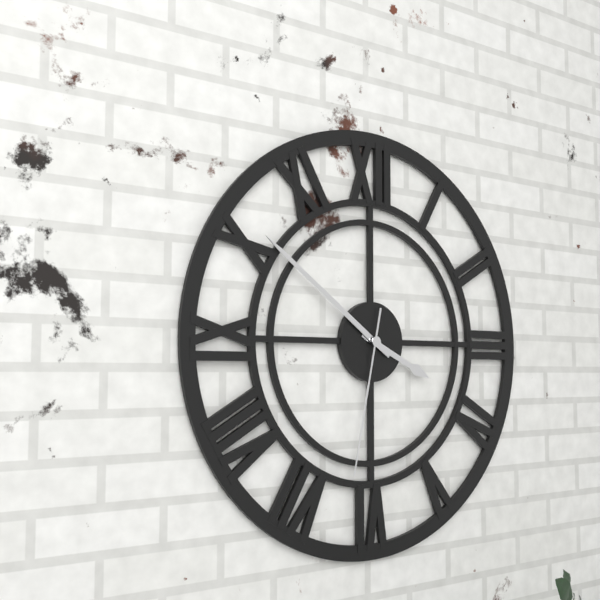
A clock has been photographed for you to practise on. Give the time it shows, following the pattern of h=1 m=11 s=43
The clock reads h=3 m=51 s=32
